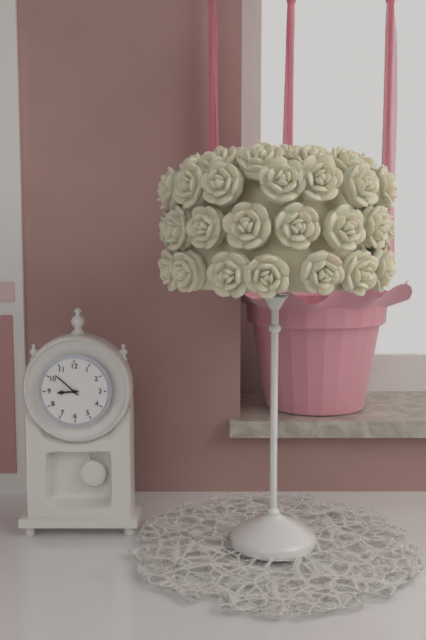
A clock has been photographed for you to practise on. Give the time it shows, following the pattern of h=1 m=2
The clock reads h=8 m=52
